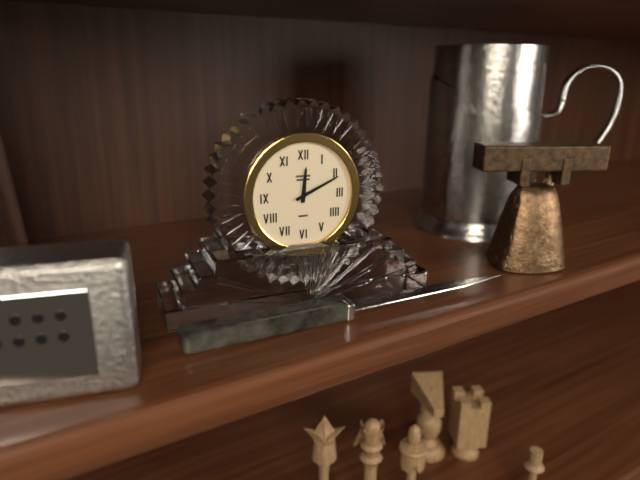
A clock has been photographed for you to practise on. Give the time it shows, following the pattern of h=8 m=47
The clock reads h=12 m=11
